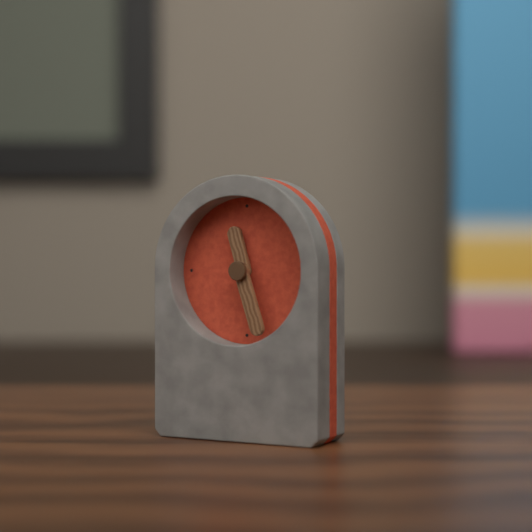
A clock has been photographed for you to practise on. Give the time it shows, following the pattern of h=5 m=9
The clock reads h=11 m=27
